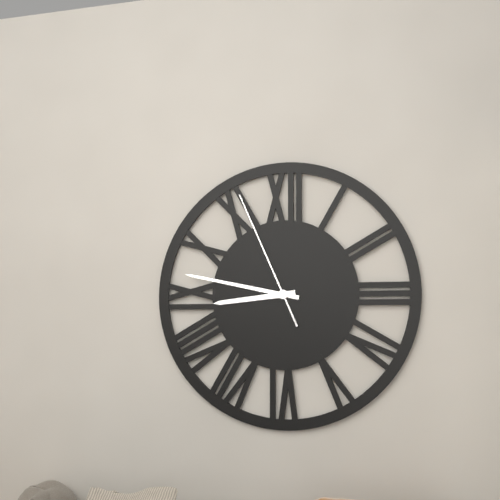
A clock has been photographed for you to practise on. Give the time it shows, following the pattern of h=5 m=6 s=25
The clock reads h=8 m=47 s=56
